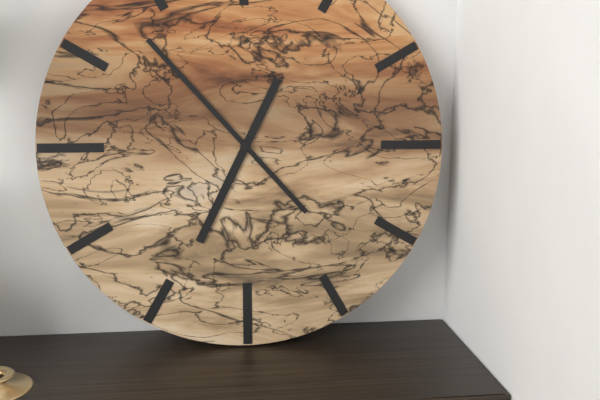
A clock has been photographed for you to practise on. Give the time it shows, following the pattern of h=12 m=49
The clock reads h=6 m=53
